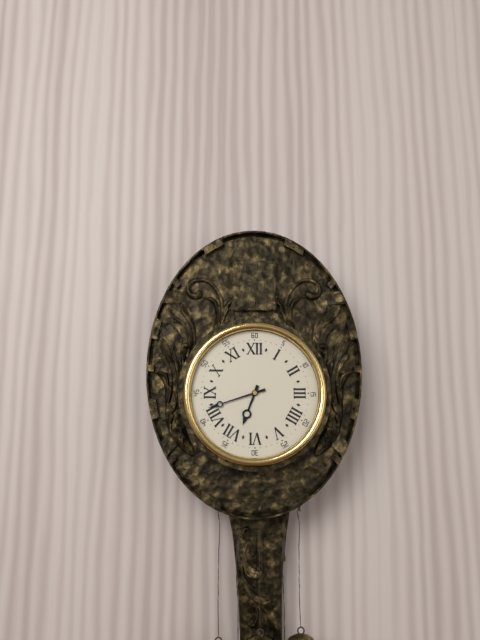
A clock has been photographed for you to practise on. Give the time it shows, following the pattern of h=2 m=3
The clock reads h=6 m=42
